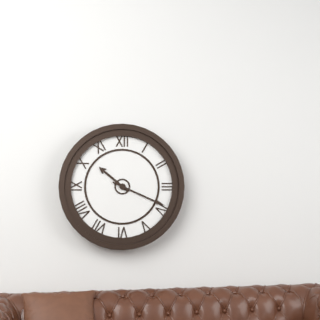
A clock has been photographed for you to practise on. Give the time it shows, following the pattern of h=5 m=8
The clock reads h=10 m=19
